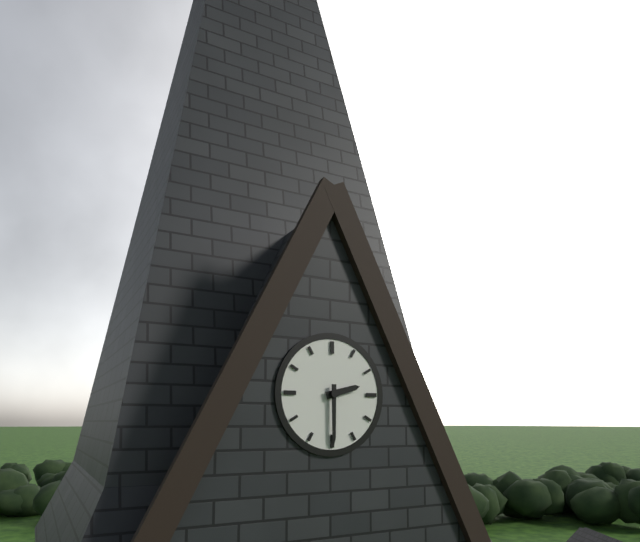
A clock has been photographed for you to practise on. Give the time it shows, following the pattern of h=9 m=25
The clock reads h=2 m=30
